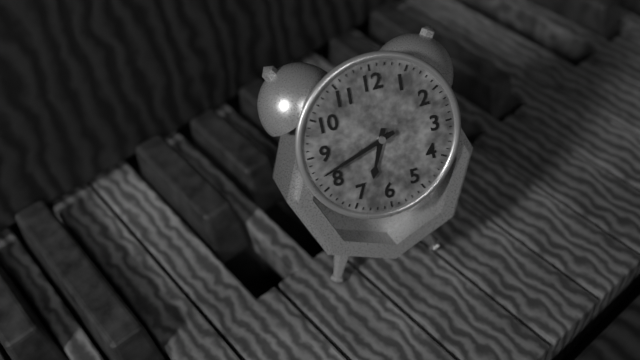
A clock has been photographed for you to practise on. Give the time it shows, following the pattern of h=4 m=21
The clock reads h=6 m=42
